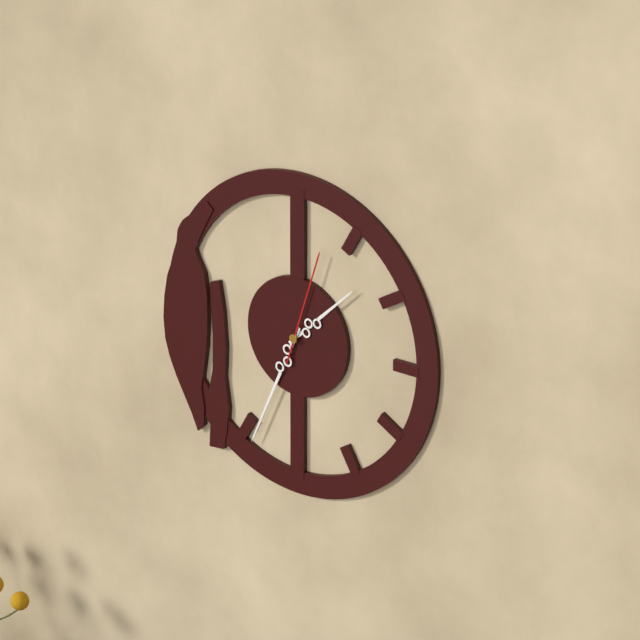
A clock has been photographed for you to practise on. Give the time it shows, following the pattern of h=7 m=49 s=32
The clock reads h=1 m=34 s=3
